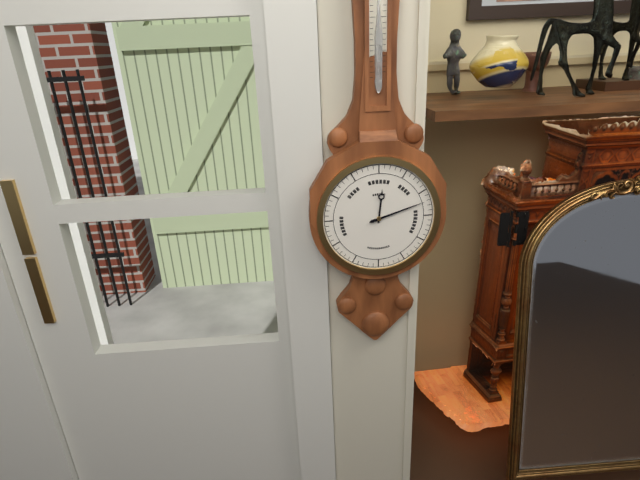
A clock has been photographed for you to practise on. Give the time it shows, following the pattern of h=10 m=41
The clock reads h=12 m=12
